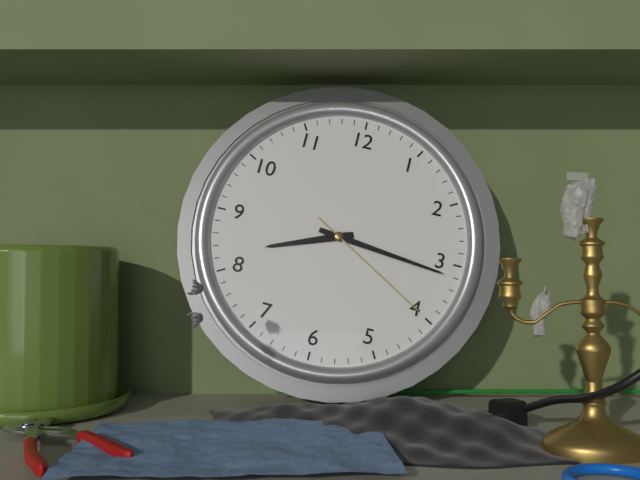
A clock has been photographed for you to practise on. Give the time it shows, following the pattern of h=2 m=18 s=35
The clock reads h=8 m=16 s=20
